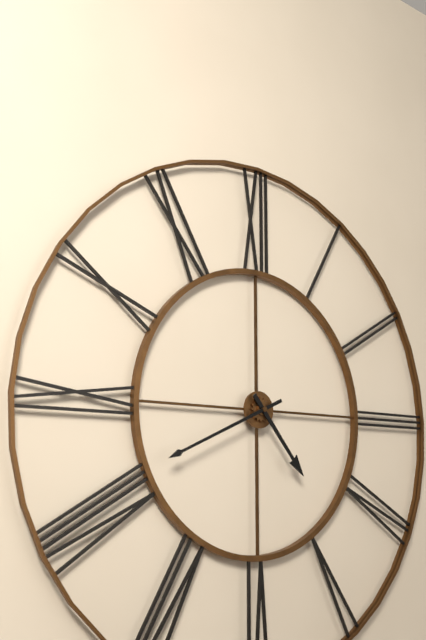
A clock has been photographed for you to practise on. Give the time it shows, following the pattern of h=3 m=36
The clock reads h=4 m=41
